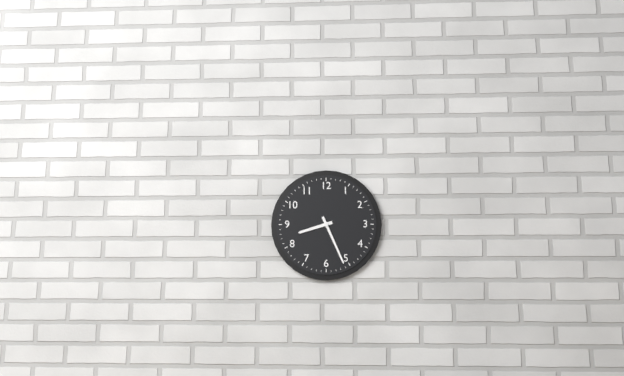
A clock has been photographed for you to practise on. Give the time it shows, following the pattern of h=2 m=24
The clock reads h=8 m=26
